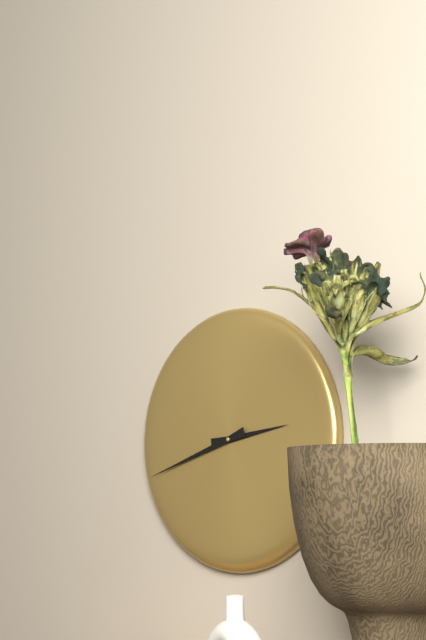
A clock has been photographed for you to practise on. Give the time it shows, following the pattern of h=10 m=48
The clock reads h=2 m=42
